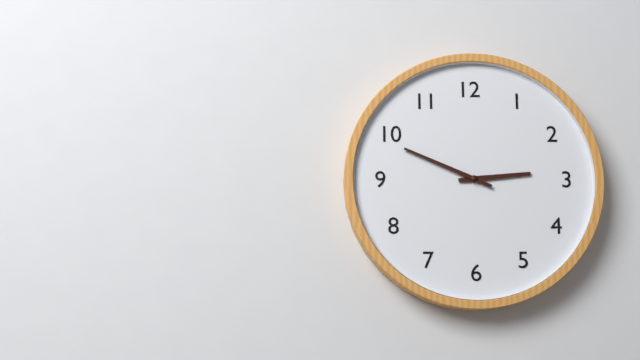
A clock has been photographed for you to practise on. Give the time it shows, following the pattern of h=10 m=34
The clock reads h=2 m=49
